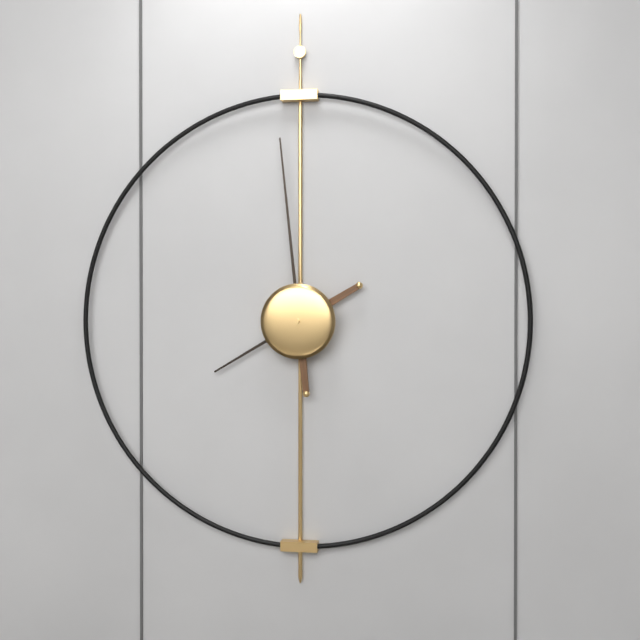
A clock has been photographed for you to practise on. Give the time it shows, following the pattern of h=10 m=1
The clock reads h=7 m=59
